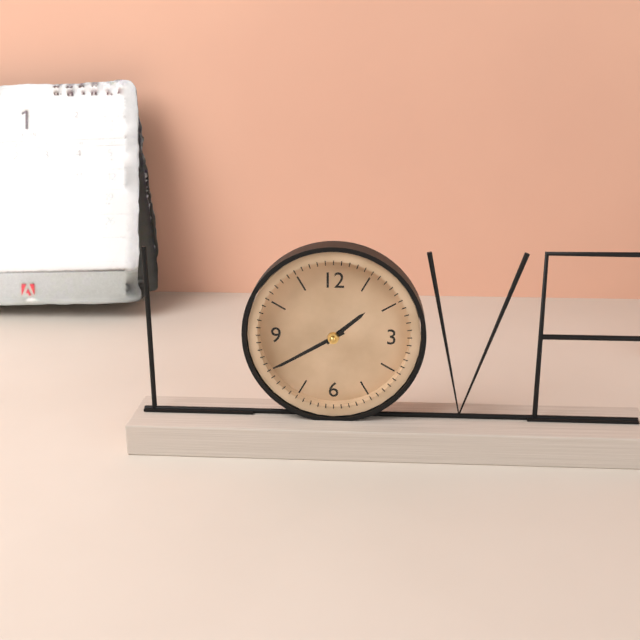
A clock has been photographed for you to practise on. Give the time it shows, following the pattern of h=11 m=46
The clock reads h=1 m=40
